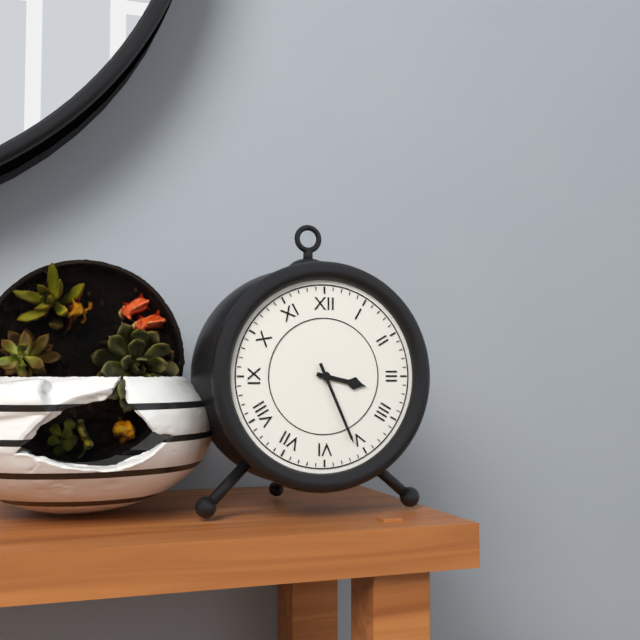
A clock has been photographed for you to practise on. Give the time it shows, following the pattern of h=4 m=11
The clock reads h=3 m=26
